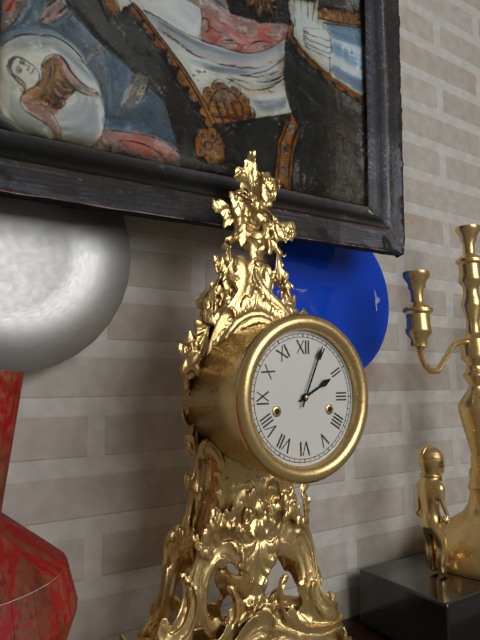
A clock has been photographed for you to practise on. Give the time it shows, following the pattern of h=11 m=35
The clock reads h=2 m=4
